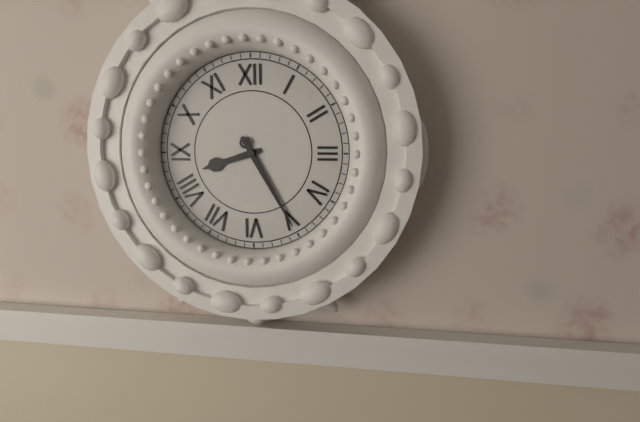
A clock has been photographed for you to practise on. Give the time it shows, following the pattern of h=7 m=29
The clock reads h=8 m=25
